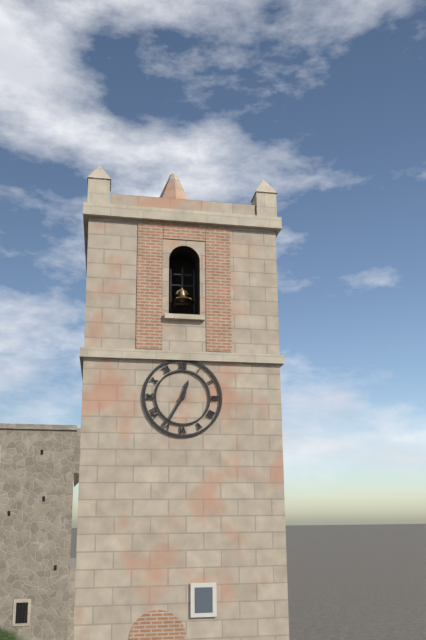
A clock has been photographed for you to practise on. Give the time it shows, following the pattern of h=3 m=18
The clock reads h=12 m=35
